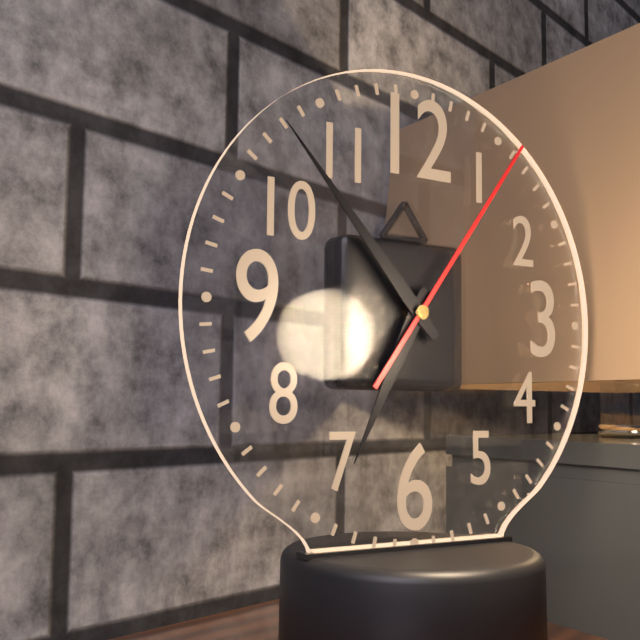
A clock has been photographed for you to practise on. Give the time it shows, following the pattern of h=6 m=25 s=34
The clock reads h=6 m=53 s=6
